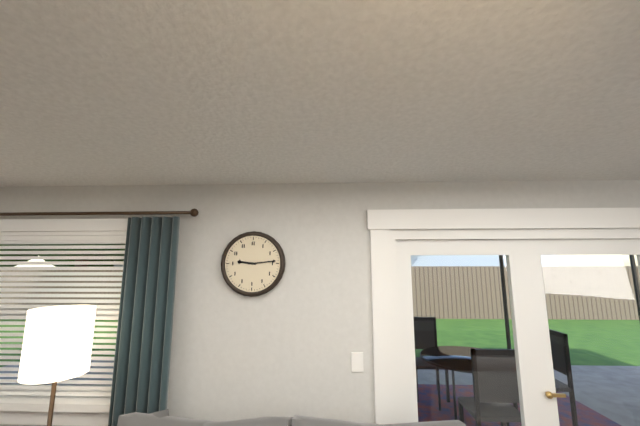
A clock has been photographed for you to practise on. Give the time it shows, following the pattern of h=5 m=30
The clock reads h=9 m=14
